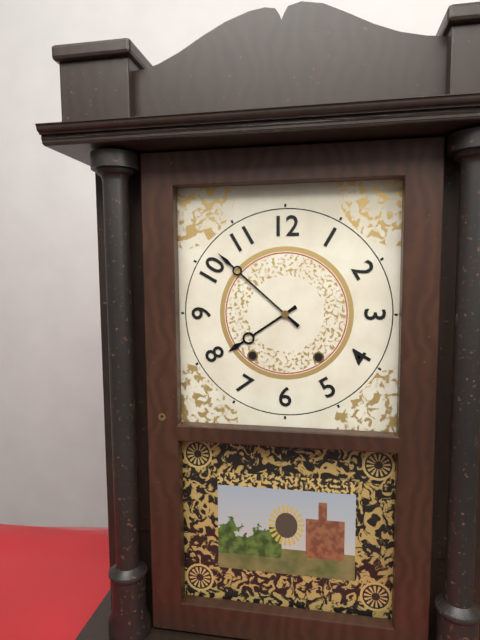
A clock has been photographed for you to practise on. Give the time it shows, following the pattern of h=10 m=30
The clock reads h=7 m=52
